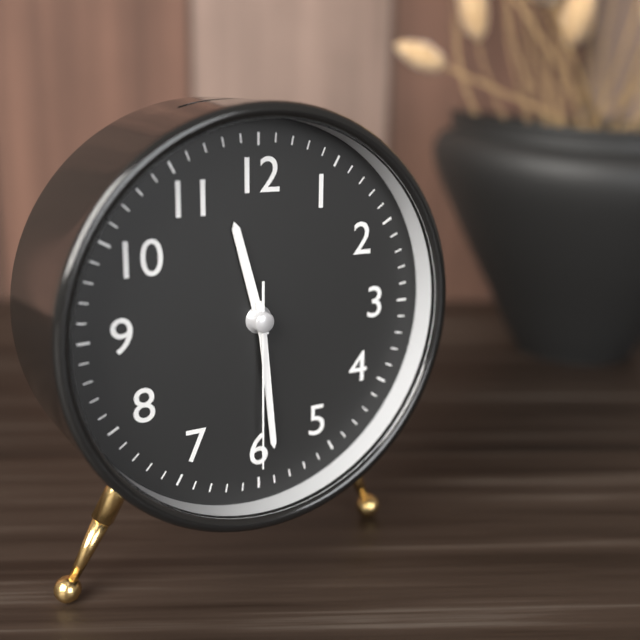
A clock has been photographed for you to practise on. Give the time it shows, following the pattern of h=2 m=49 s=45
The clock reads h=11 m=29 s=30
